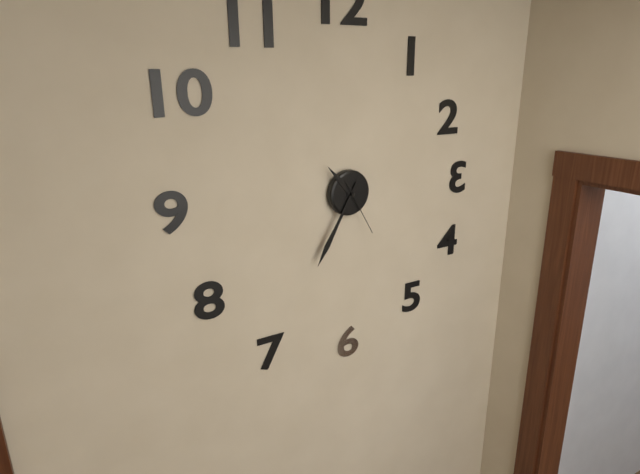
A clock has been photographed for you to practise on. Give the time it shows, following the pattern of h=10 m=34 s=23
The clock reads h=10 m=35 s=25
